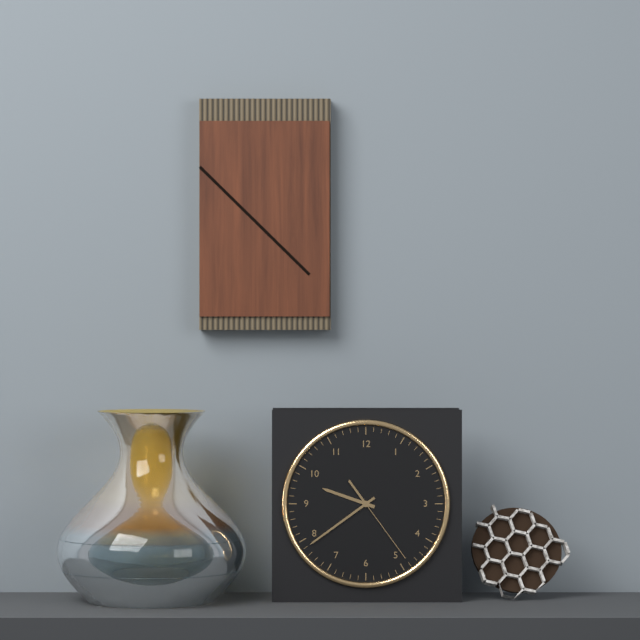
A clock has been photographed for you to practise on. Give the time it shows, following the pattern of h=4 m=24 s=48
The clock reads h=9 m=39 s=24
